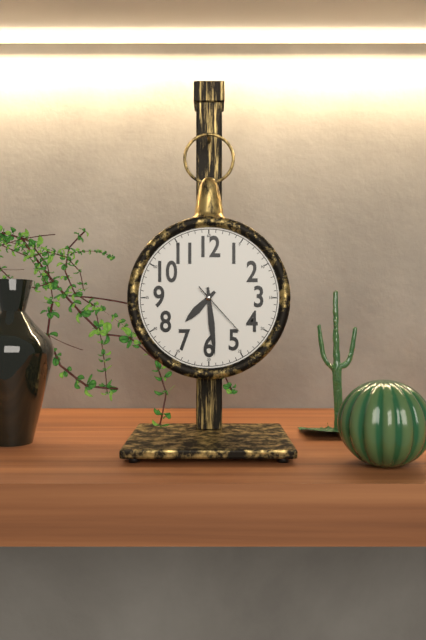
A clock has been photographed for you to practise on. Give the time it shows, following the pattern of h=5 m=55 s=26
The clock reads h=7 m=29 s=23
